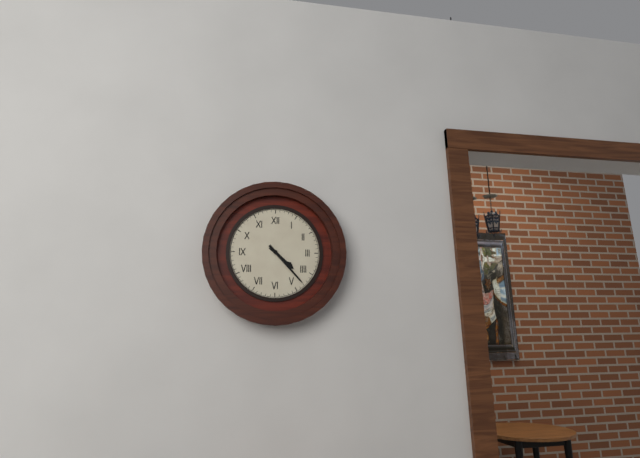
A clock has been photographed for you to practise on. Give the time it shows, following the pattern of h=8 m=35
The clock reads h=4 m=23
